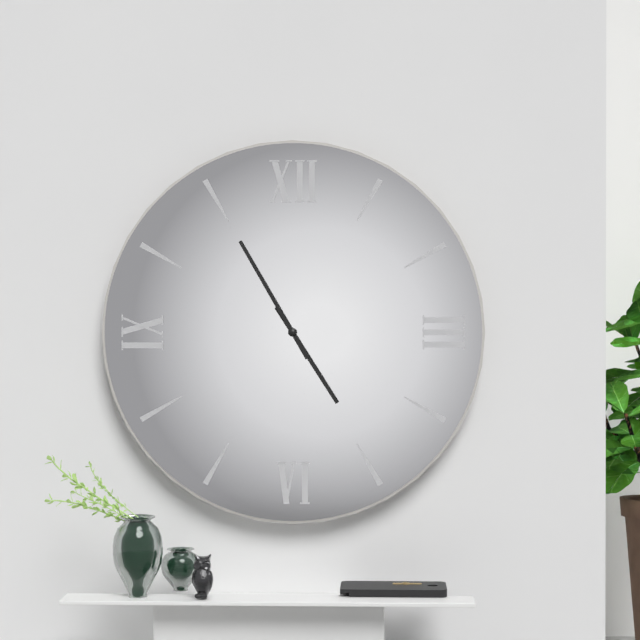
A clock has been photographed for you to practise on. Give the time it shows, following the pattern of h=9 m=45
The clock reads h=4 m=55
